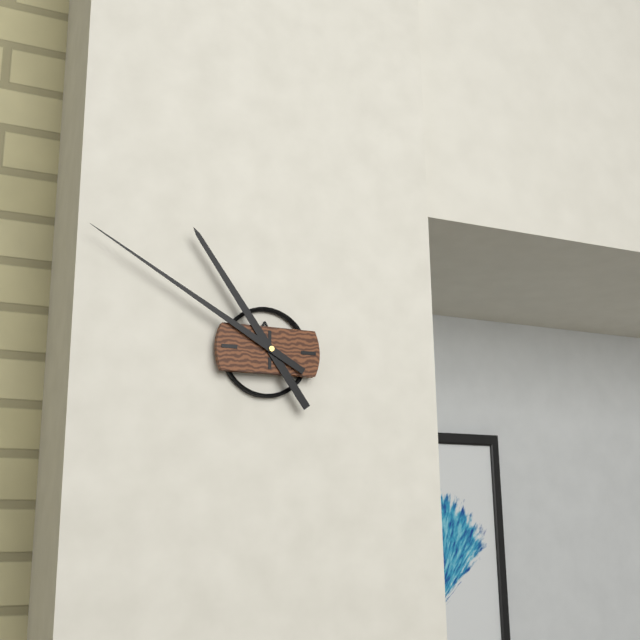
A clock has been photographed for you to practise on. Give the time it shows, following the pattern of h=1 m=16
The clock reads h=10 m=50
